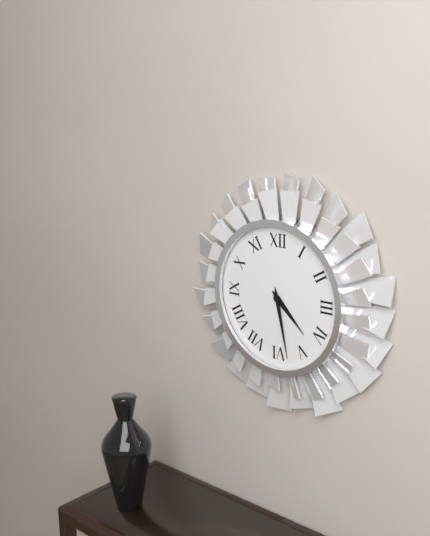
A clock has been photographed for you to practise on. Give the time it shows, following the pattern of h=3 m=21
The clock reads h=4 m=28
